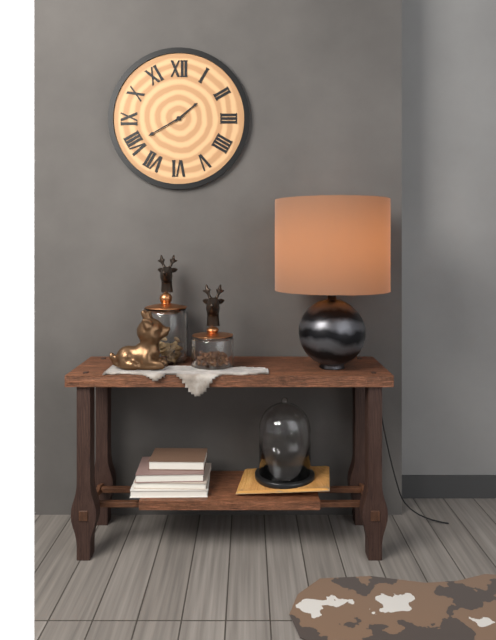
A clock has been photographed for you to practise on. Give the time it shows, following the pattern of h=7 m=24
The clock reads h=1 m=40
